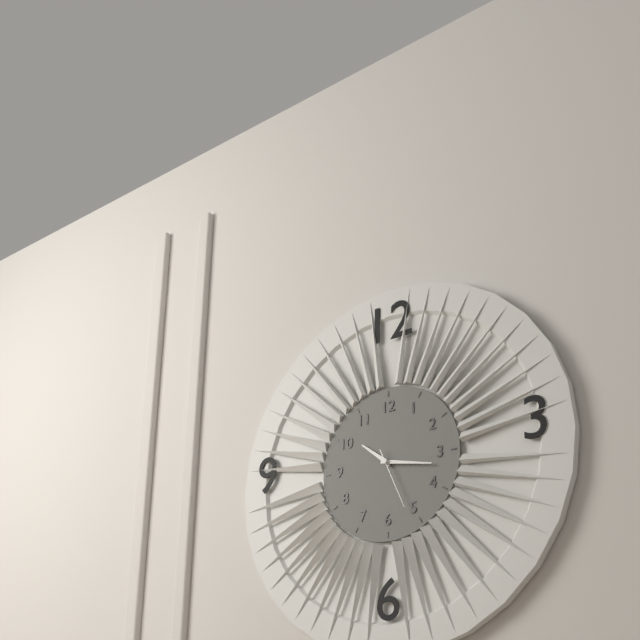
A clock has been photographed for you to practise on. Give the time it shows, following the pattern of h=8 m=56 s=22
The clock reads h=10 m=17 s=26
